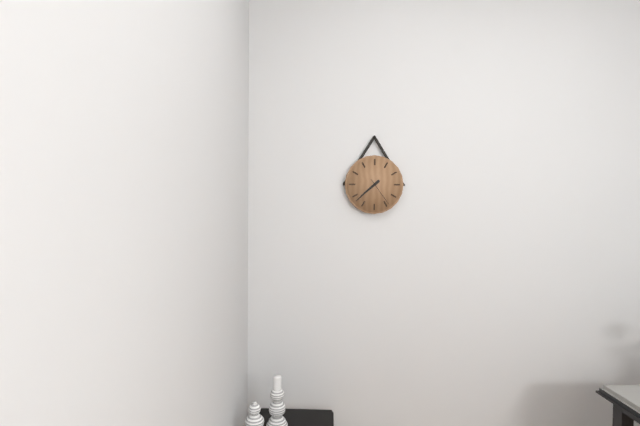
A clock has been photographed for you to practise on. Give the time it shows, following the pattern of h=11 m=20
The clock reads h=7 m=38
